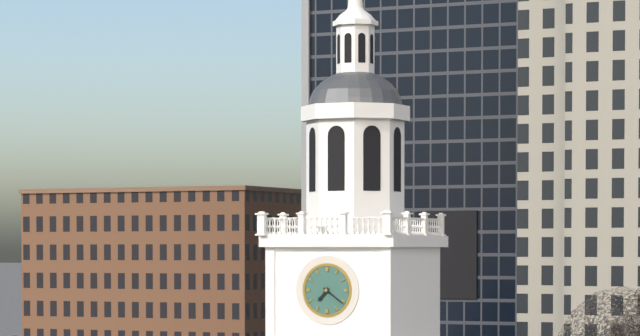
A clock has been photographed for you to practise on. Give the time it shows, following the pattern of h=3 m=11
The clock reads h=7 m=21
